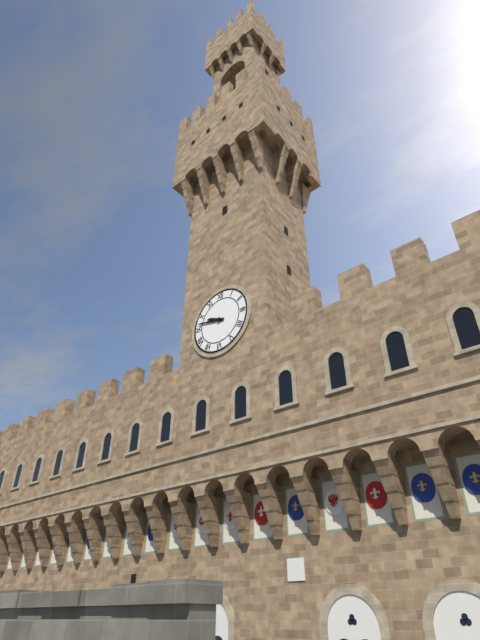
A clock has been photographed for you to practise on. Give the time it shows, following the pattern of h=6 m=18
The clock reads h=9 m=47
